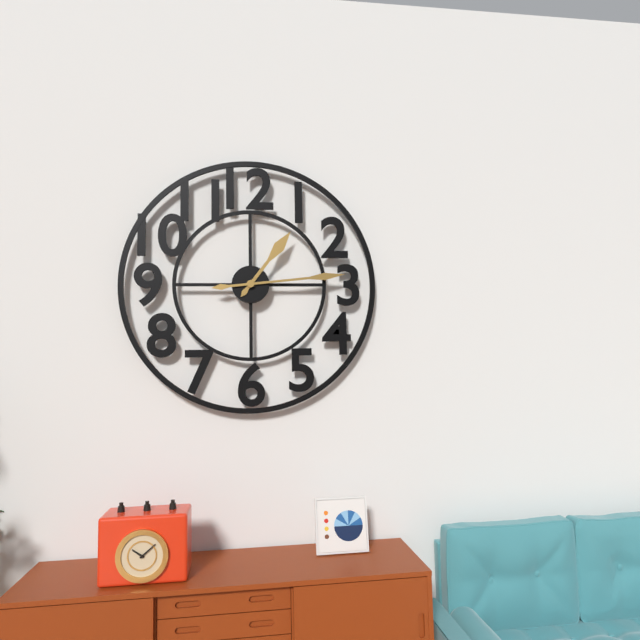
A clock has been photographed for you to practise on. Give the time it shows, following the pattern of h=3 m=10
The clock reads h=1 m=14
